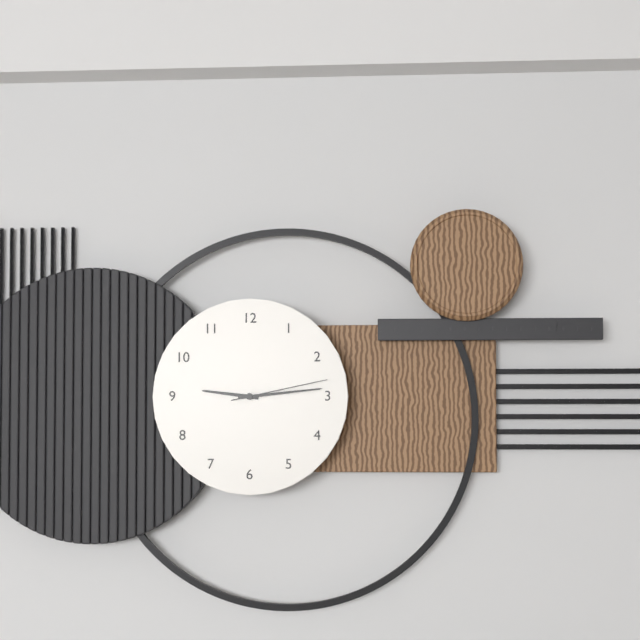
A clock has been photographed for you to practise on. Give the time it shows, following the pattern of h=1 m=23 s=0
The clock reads h=9 m=14 s=13
